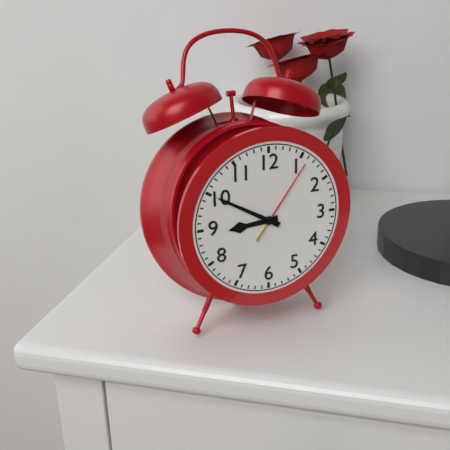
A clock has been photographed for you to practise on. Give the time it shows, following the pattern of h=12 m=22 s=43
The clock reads h=8 m=50 s=6
